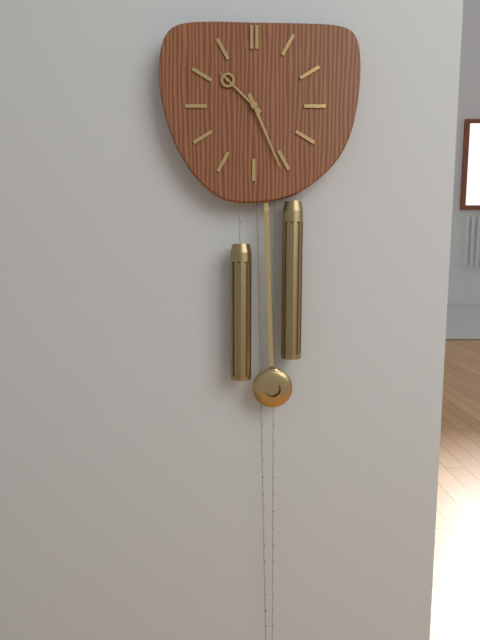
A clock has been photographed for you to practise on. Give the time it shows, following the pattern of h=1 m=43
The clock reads h=10 m=26
